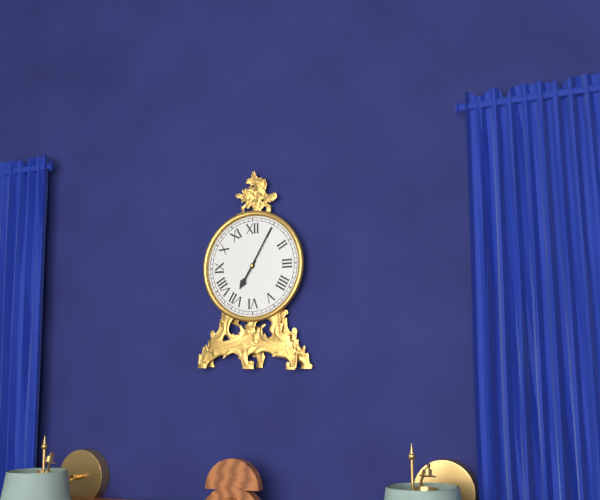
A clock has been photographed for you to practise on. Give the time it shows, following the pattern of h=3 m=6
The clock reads h=7 m=5
